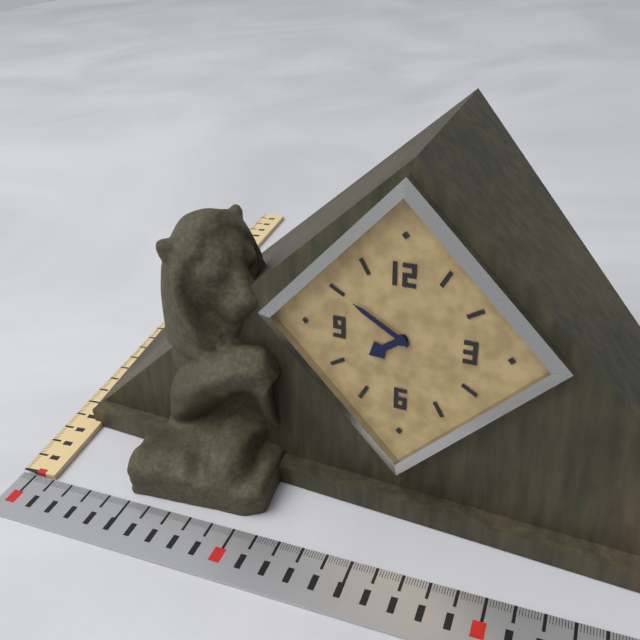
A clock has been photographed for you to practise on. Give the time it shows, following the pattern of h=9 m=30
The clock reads h=7 m=50
